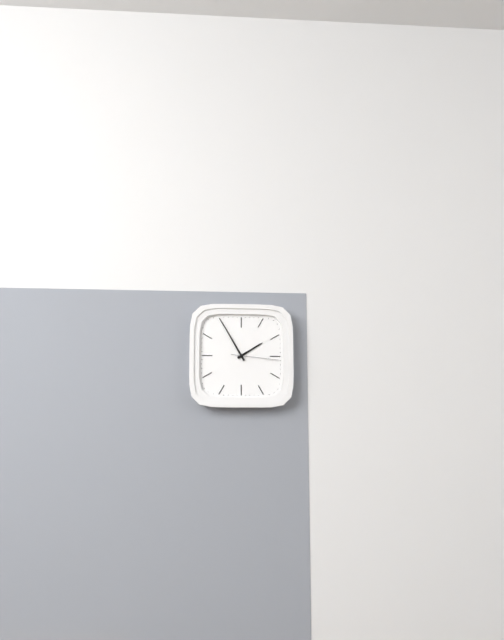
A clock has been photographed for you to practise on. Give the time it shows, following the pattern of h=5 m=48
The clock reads h=1 m=55
